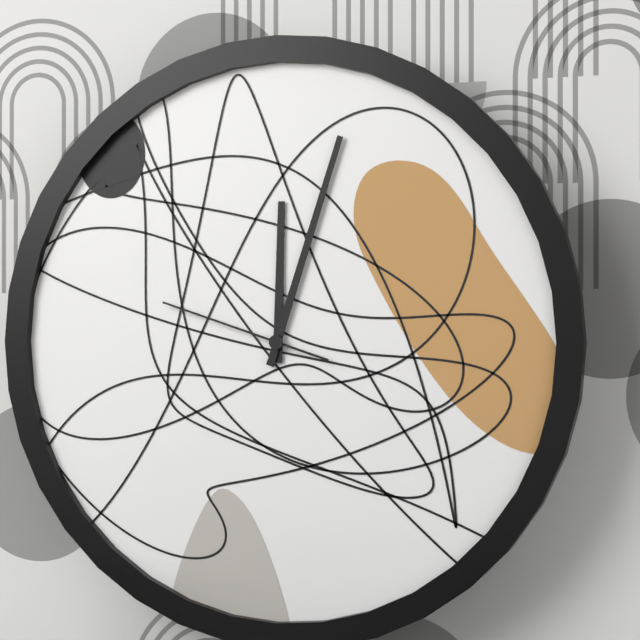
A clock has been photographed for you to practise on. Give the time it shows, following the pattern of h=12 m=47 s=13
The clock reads h=12 m=3 s=48
